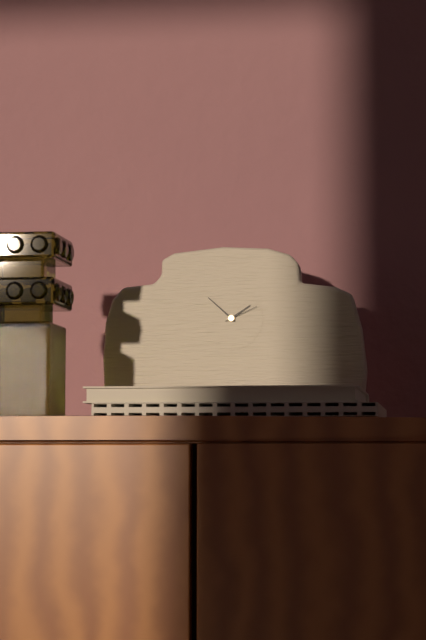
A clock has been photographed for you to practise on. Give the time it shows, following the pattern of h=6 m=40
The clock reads h=1 m=52
